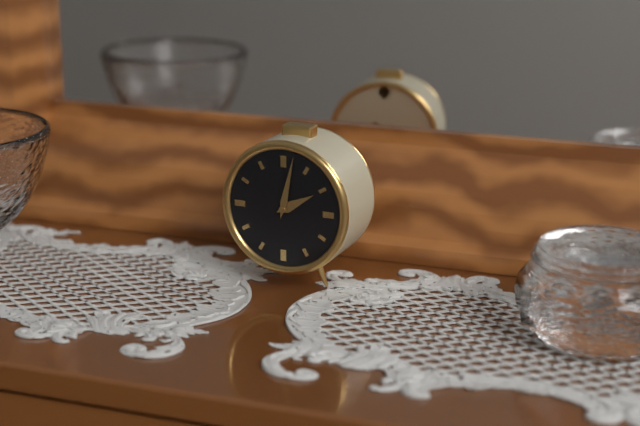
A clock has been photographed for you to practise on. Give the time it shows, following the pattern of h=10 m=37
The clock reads h=2 m=2
